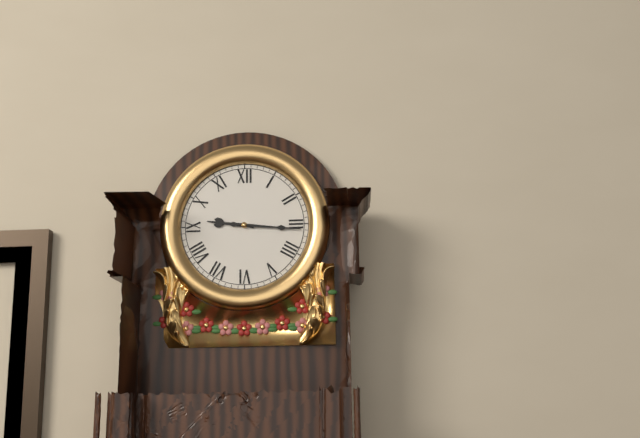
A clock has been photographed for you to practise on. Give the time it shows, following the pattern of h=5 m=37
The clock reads h=9 m=16
